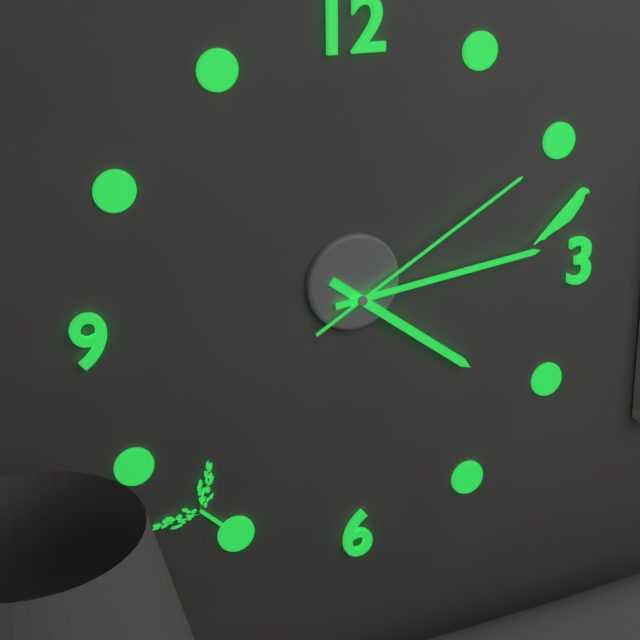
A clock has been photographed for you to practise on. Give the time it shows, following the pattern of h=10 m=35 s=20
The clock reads h=4 m=14 s=10
